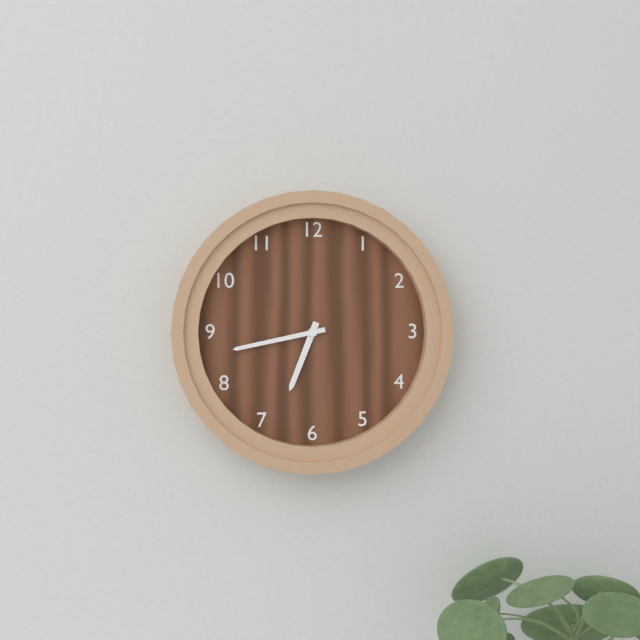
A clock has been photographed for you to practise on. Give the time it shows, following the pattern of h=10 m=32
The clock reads h=6 m=43
